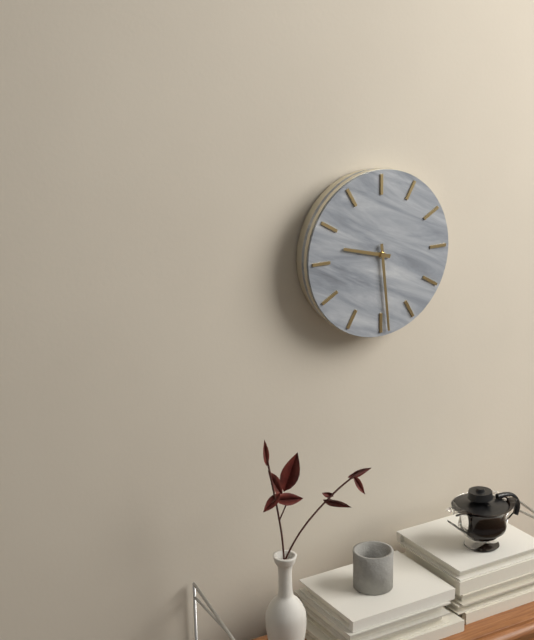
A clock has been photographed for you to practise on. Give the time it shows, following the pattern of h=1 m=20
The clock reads h=9 m=29
